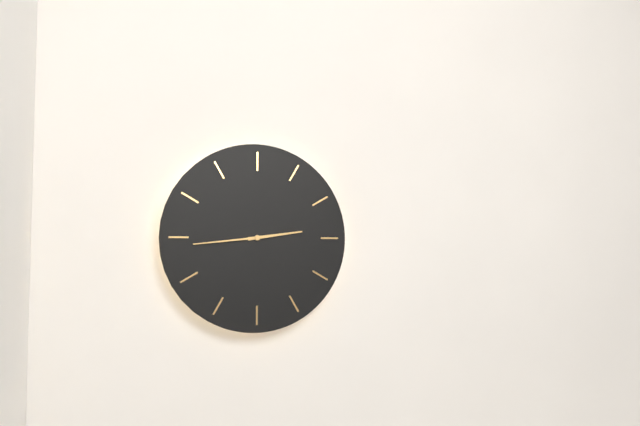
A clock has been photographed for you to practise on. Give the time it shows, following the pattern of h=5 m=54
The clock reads h=2 m=44
